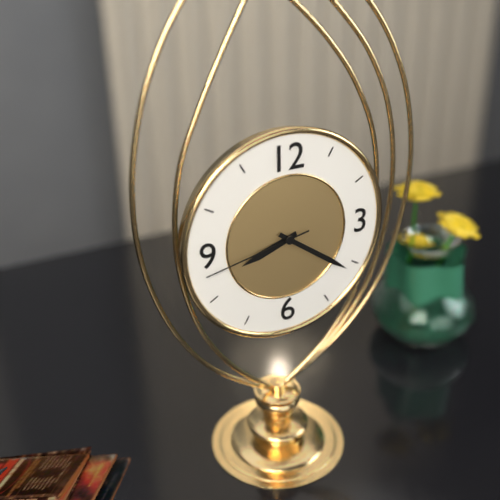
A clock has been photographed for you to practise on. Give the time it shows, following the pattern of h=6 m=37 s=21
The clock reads h=8 m=21 s=43
